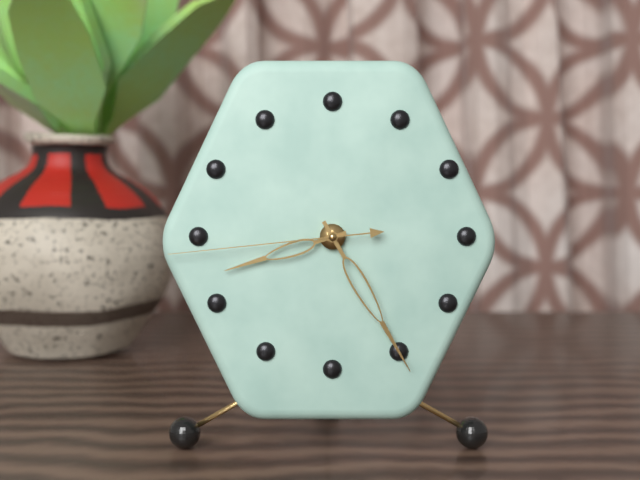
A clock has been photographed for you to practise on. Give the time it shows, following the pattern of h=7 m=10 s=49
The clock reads h=8 m=25 s=44
